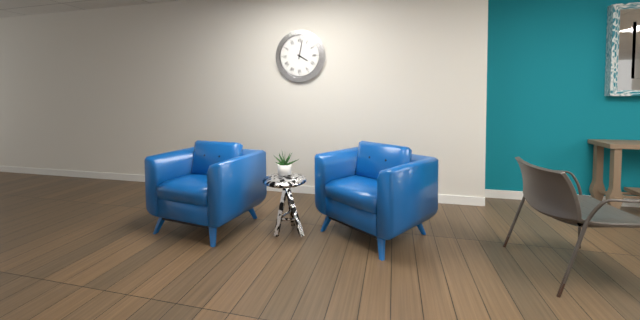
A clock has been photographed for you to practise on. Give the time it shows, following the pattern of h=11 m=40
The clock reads h=4 m=2
